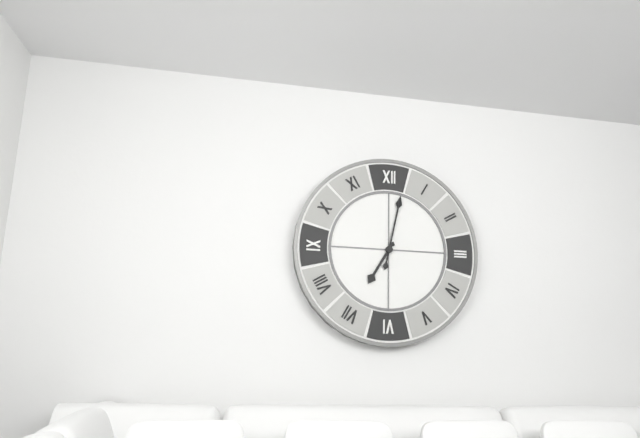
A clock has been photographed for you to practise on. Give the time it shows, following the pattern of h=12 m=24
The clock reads h=7 m=2
